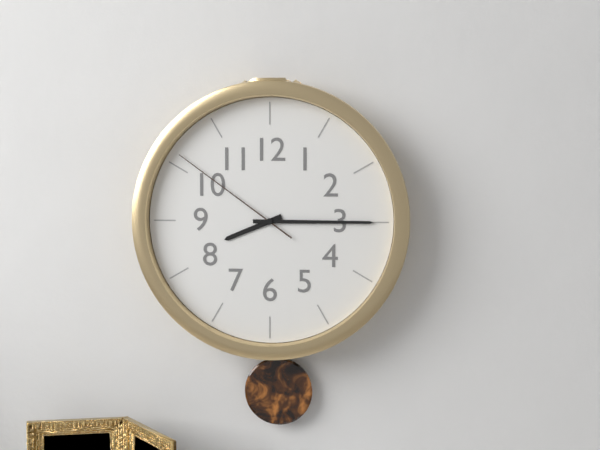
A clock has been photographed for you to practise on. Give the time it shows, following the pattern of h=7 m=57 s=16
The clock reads h=8 m=15 s=51
